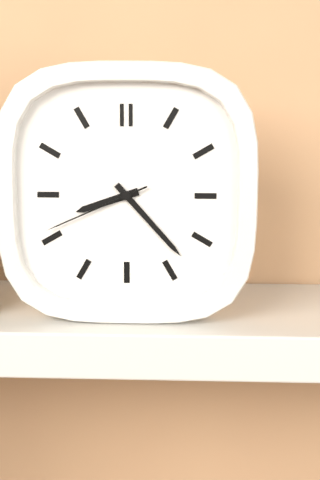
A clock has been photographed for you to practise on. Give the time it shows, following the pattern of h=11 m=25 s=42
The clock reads h=8 m=23 s=41
